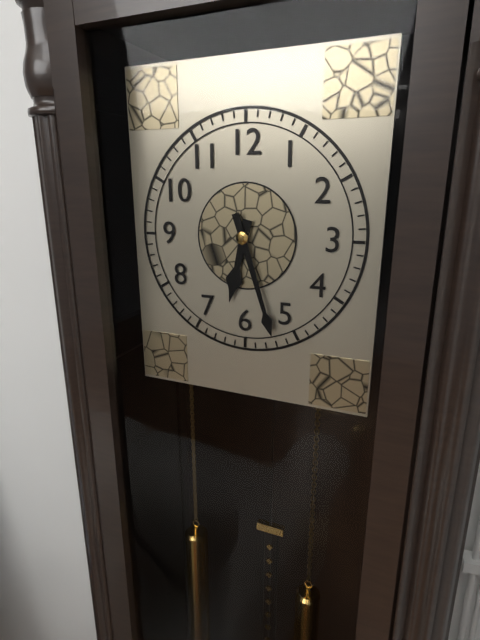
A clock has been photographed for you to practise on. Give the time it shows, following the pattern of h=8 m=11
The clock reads h=6 m=27
